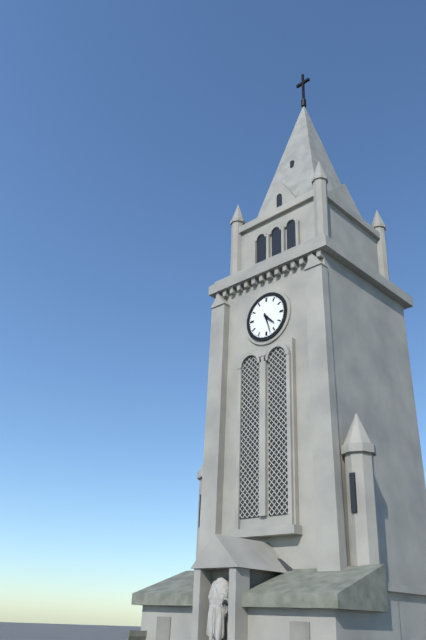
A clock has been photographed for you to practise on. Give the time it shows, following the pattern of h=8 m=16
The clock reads h=4 m=27
